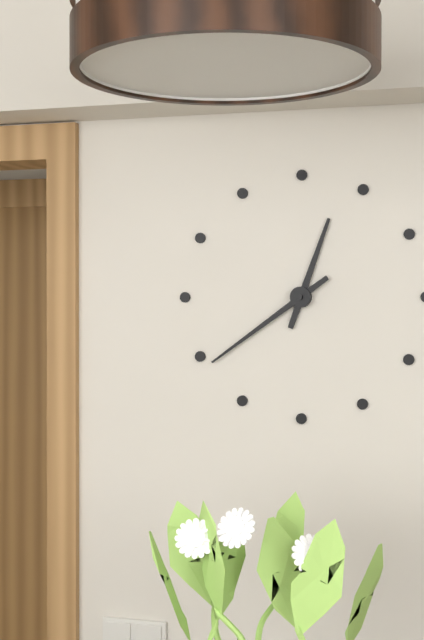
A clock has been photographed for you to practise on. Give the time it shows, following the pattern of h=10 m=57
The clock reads h=12 m=39
